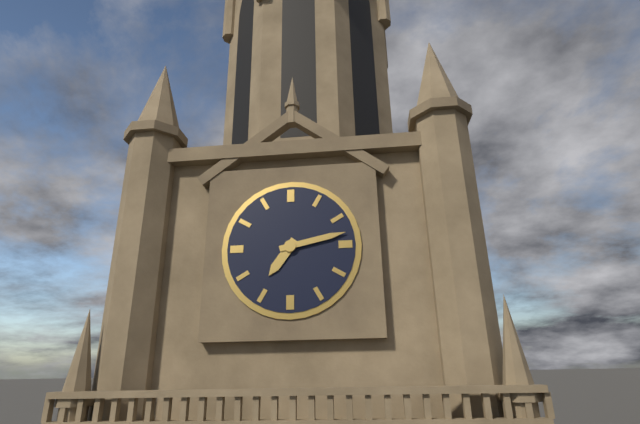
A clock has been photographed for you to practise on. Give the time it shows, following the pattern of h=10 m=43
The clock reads h=7 m=13
